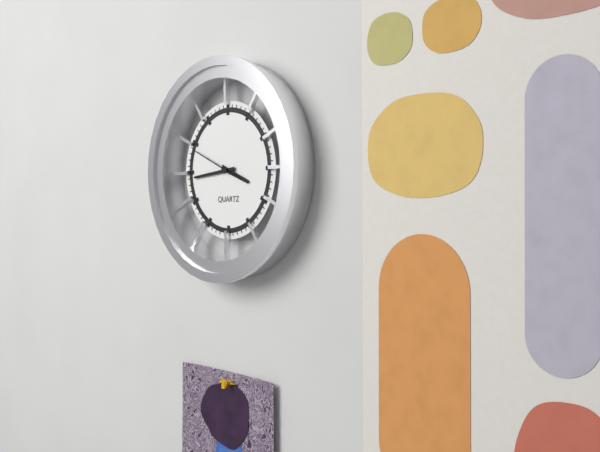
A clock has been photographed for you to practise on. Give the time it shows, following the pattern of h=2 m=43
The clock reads h=3 m=44
